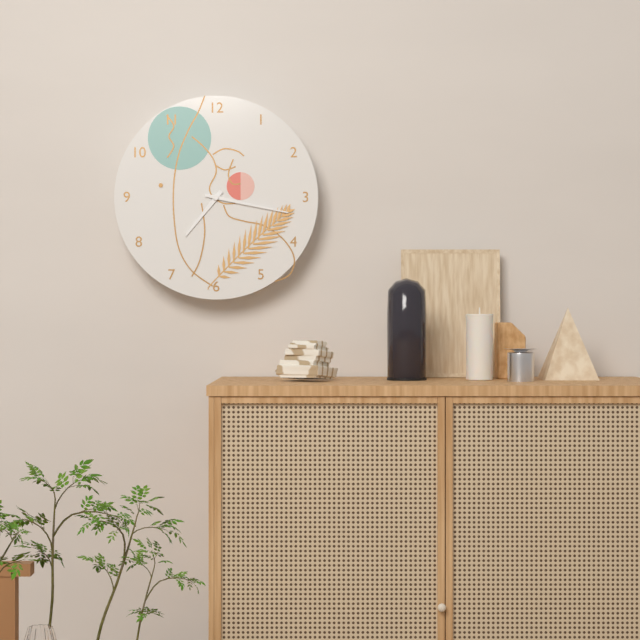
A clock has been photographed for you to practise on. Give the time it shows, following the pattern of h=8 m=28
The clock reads h=7 m=17
